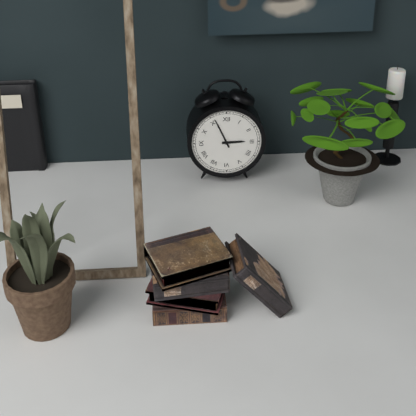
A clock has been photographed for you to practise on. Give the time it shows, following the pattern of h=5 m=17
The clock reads h=2 m=56
